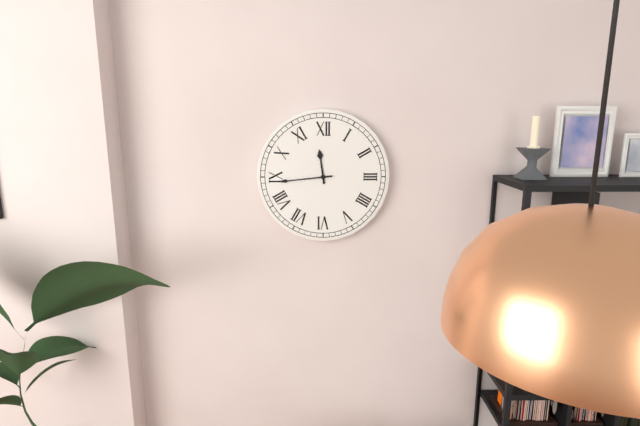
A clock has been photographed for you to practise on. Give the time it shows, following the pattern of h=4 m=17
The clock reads h=11 m=44
